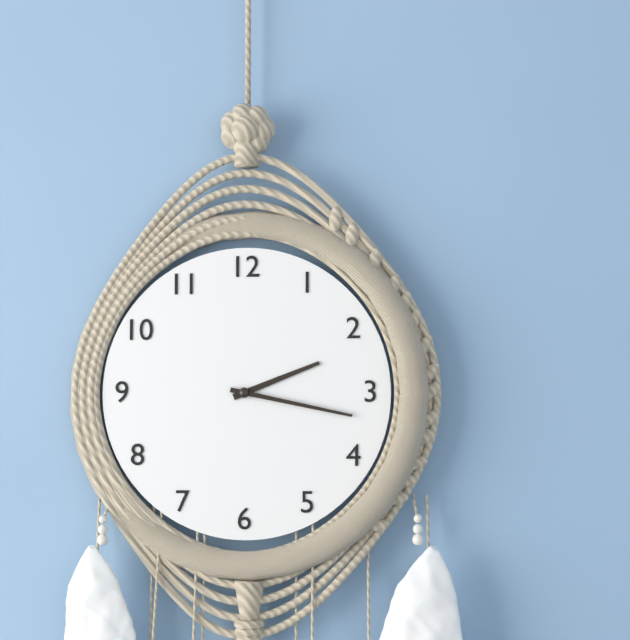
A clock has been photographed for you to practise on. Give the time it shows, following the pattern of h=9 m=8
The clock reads h=2 m=17
